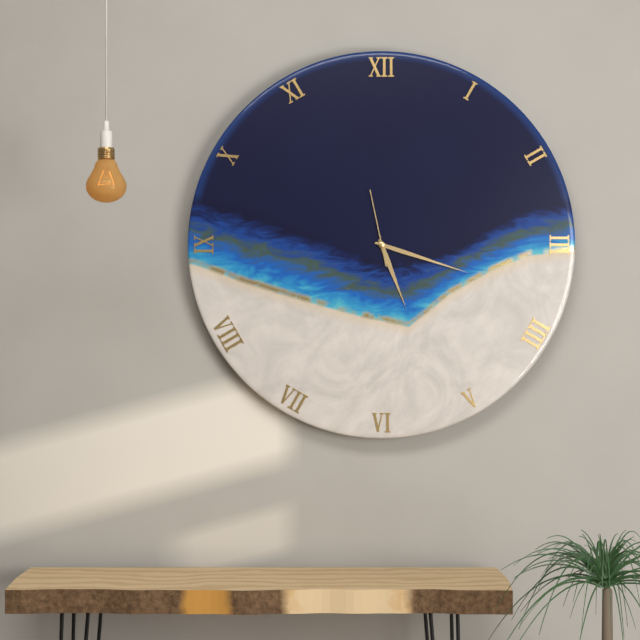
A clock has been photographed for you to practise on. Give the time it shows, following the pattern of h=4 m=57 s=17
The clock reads h=5 m=18 s=58
